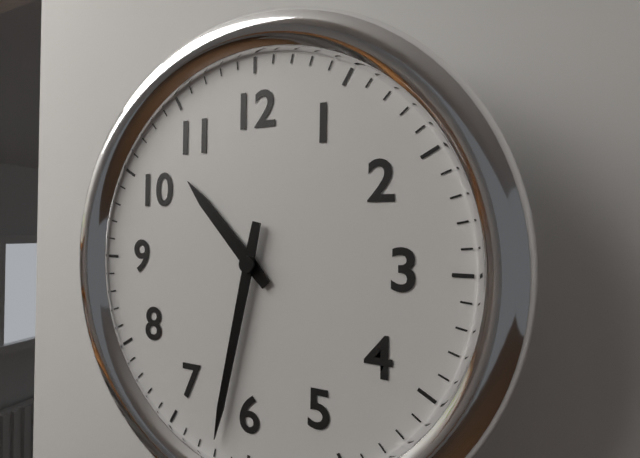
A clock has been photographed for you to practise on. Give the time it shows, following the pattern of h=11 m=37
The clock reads h=10 m=32
